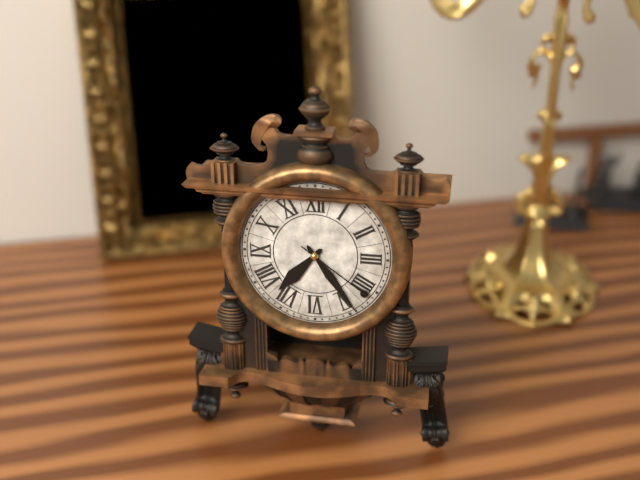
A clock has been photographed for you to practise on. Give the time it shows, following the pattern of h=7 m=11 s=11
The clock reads h=7 m=24 s=21
